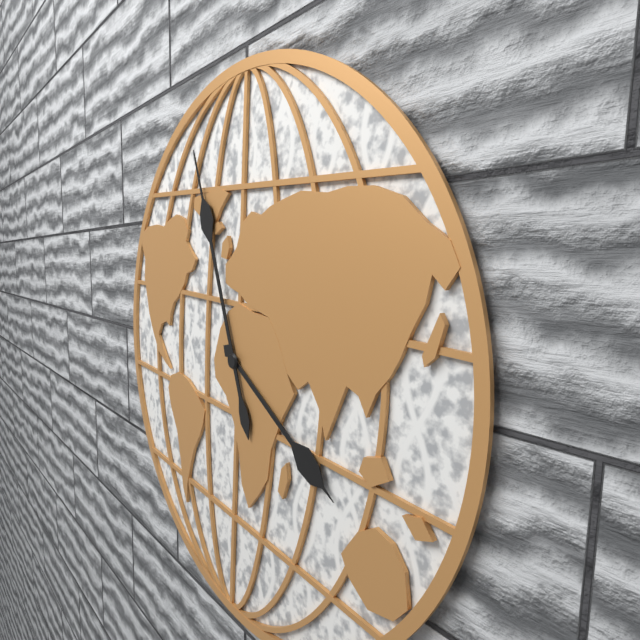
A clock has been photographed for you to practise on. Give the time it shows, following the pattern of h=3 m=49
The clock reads h=3 m=56
